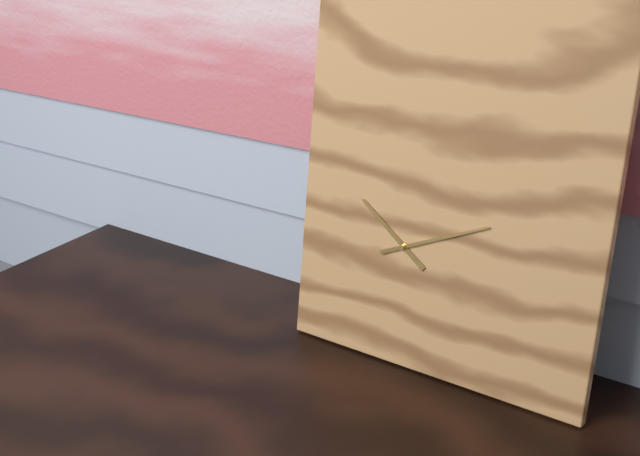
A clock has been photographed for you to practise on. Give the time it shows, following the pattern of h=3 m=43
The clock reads h=10 m=11
